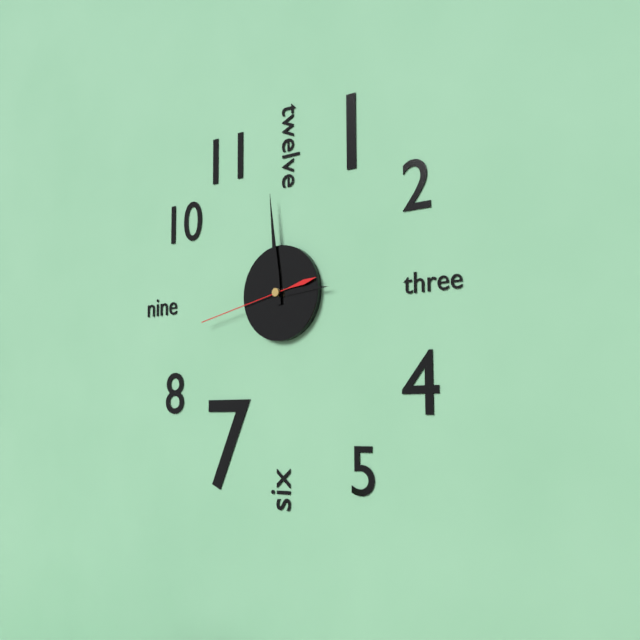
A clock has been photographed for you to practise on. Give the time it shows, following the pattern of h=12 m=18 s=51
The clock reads h=2 m=59 s=43
